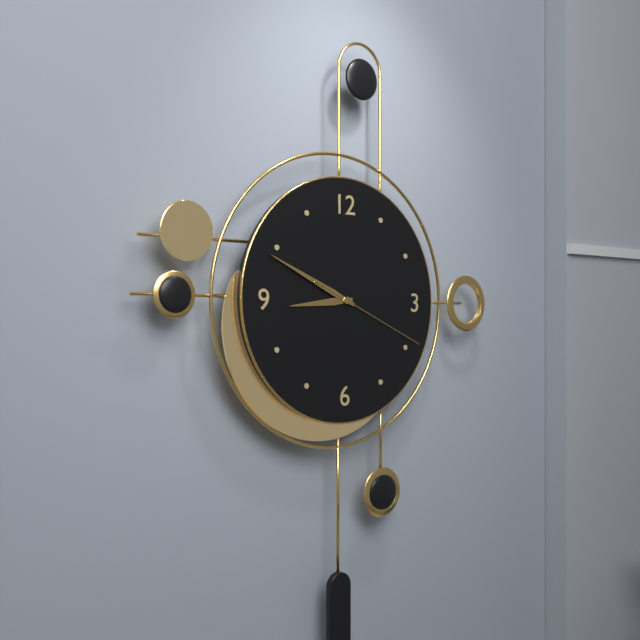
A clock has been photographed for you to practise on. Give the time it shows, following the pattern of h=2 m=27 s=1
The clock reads h=8 m=49 s=19
